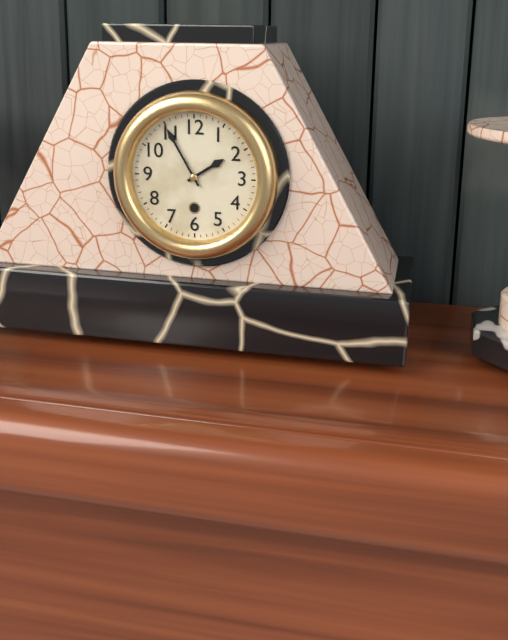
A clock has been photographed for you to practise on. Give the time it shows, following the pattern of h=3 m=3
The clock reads h=1 m=55
